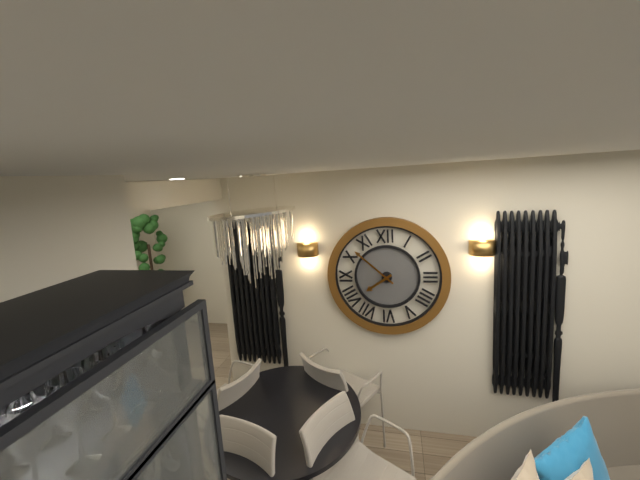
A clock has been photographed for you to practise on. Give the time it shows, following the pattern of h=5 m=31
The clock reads h=7 m=52
